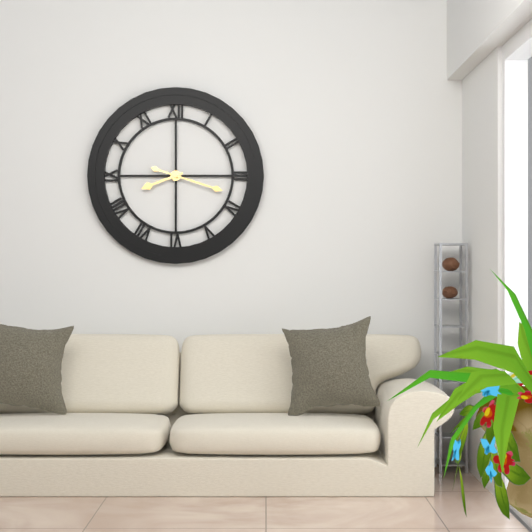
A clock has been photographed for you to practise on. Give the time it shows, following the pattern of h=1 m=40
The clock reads h=8 m=18
